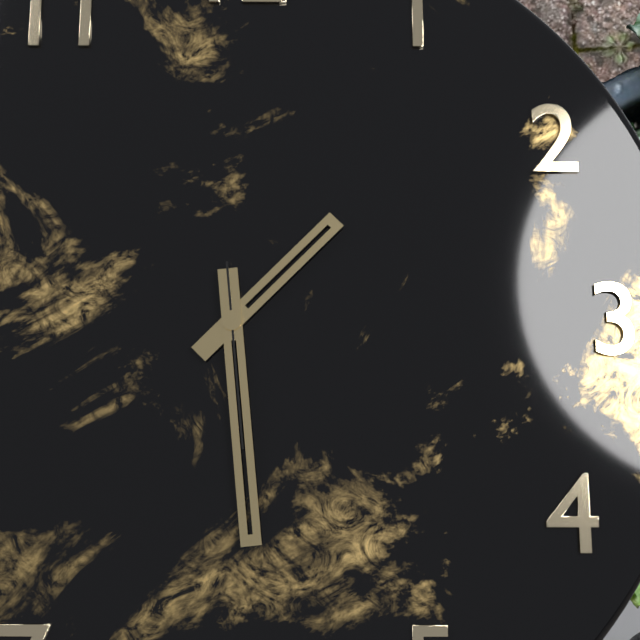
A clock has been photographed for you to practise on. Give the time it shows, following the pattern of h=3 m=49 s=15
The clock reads h=1 m=29 s=29
